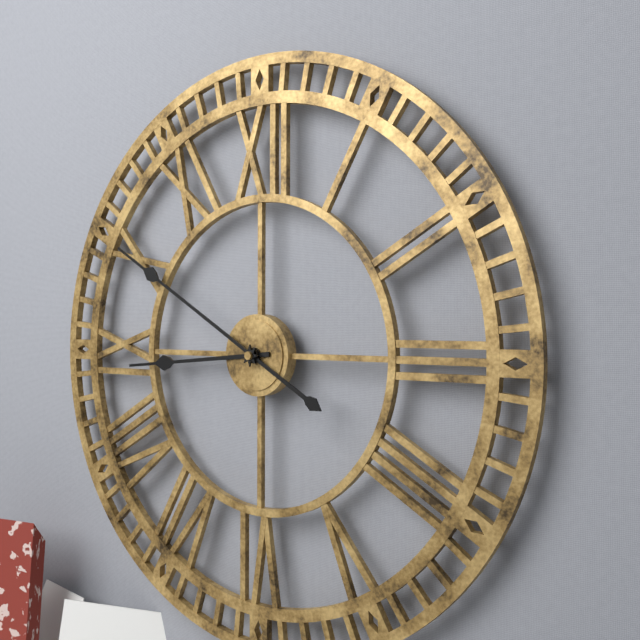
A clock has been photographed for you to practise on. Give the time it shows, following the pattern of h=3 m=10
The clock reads h=8 m=50
